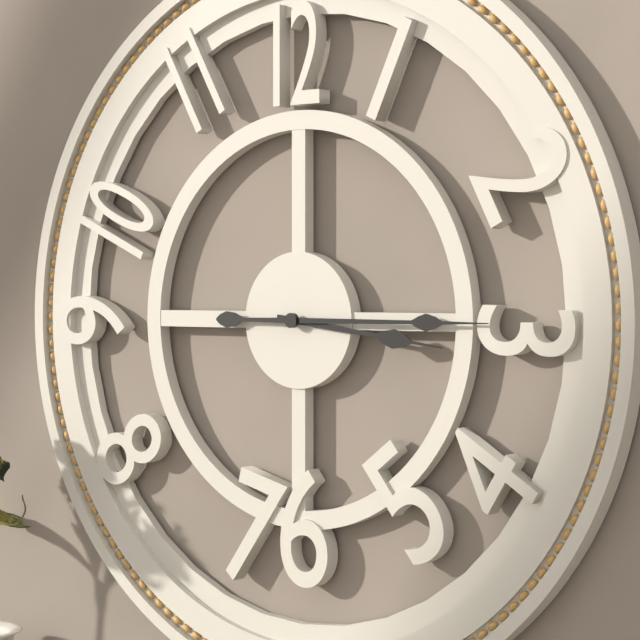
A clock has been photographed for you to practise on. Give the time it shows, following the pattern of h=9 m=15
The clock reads h=3 m=15
